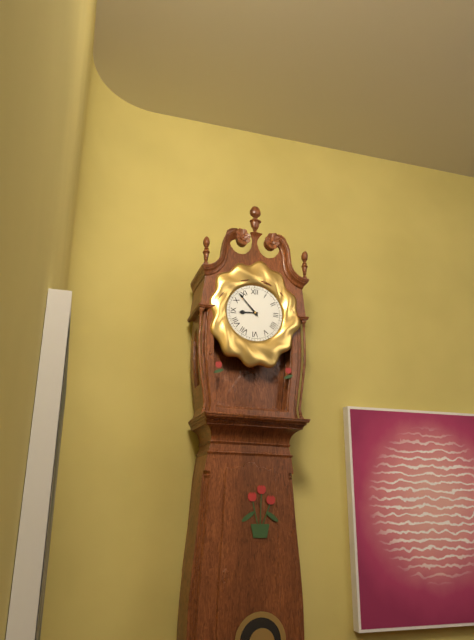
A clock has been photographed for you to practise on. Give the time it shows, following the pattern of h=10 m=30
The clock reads h=8 m=53
